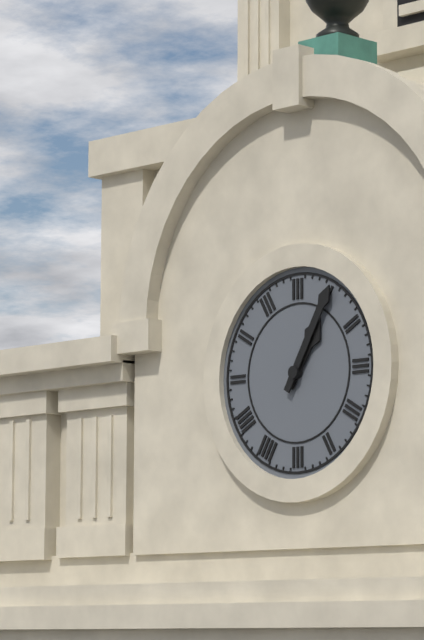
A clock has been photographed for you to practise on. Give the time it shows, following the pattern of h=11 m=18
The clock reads h=1 m=5
